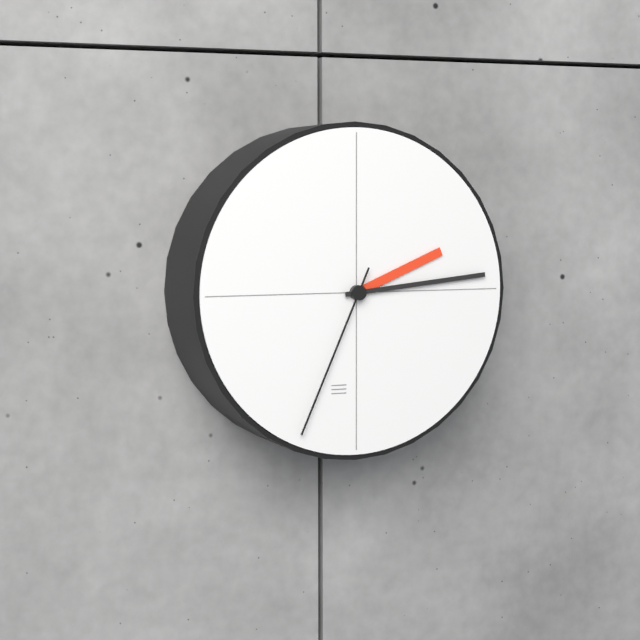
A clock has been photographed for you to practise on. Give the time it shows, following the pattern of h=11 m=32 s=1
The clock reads h=2 m=14 s=34
